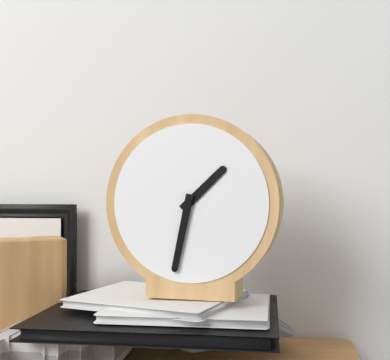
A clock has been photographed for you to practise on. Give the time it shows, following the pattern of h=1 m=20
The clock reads h=1 m=32
